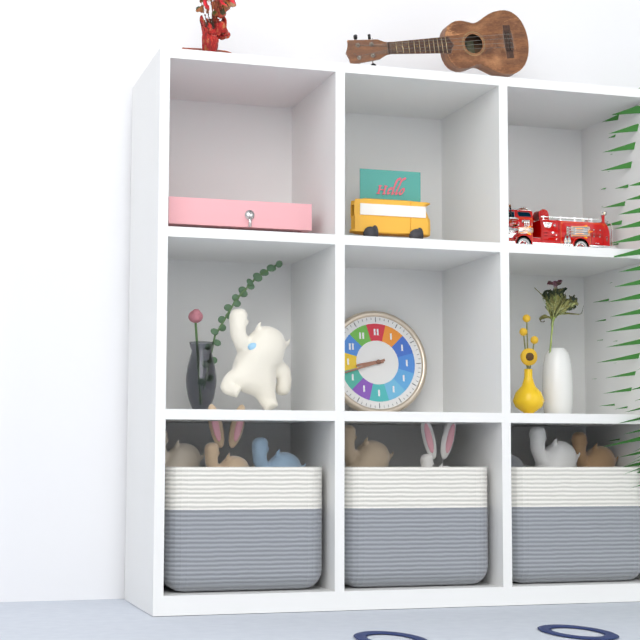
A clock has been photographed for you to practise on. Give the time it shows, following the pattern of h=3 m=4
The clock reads h=8 m=42
